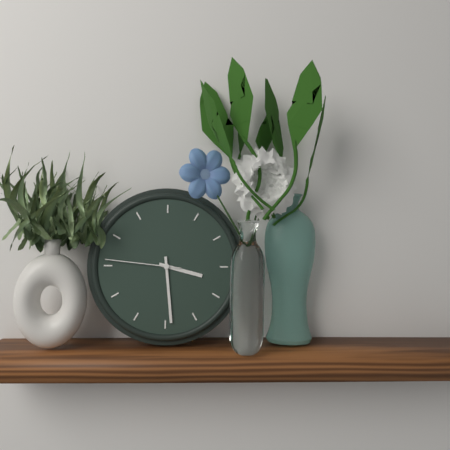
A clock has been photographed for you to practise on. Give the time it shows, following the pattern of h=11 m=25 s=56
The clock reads h=3 m=29 s=46
